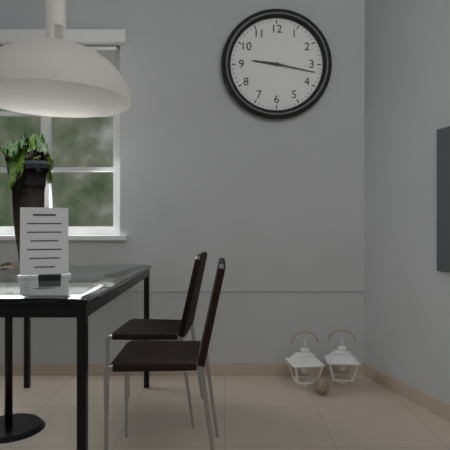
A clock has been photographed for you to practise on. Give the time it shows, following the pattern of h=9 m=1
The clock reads h=9 m=17
